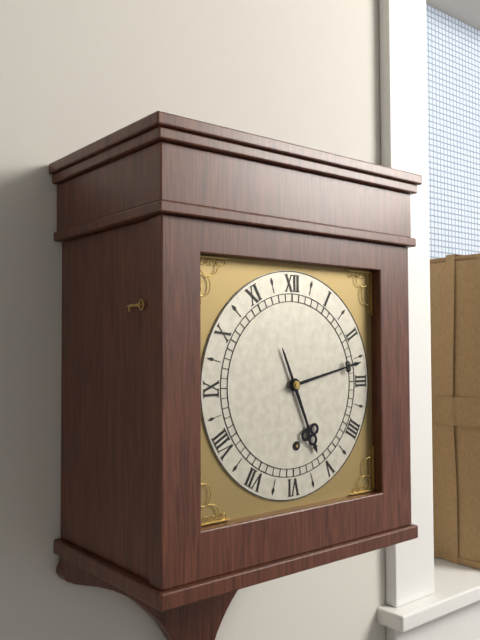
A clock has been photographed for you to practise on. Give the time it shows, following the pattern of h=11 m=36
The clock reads h=5 m=13
